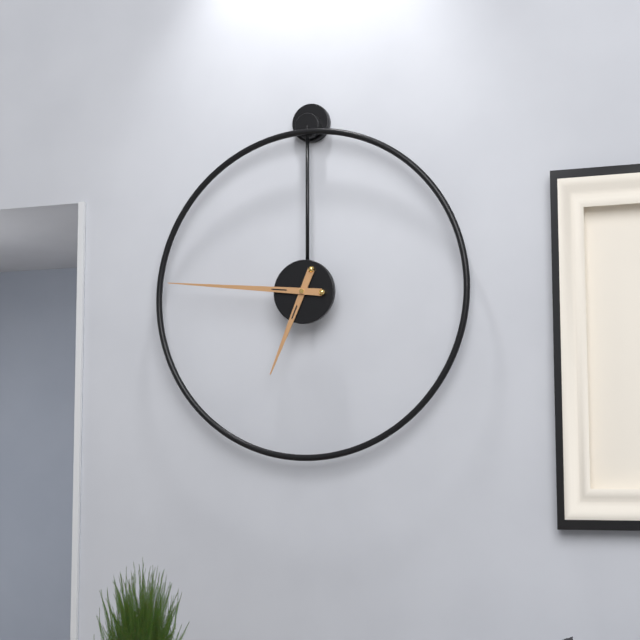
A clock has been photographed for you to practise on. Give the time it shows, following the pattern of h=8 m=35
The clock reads h=6 m=46
